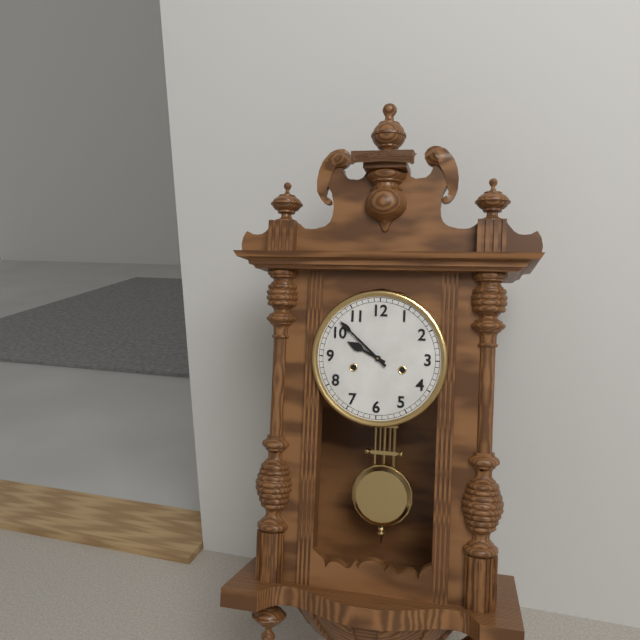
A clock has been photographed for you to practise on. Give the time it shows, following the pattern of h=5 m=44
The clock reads h=9 m=52
